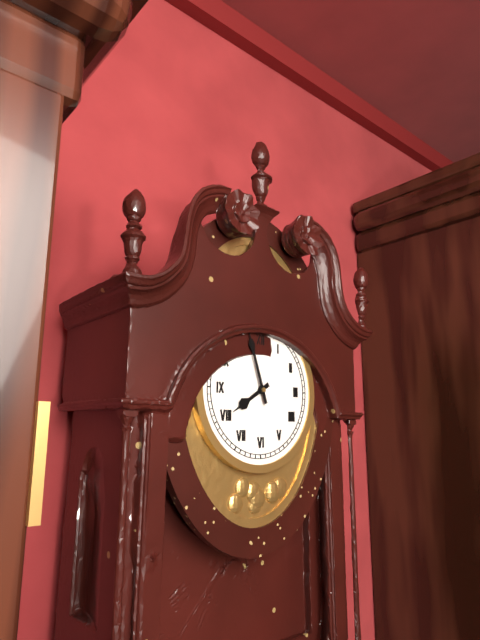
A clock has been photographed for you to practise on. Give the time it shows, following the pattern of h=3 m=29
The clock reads h=7 m=57
